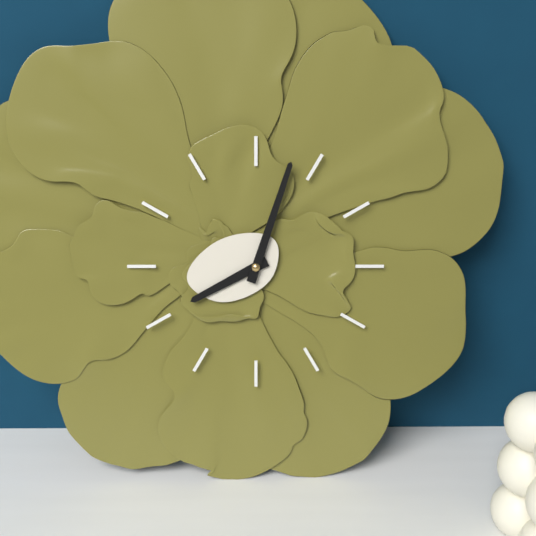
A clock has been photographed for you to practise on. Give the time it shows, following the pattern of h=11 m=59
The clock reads h=8 m=3
